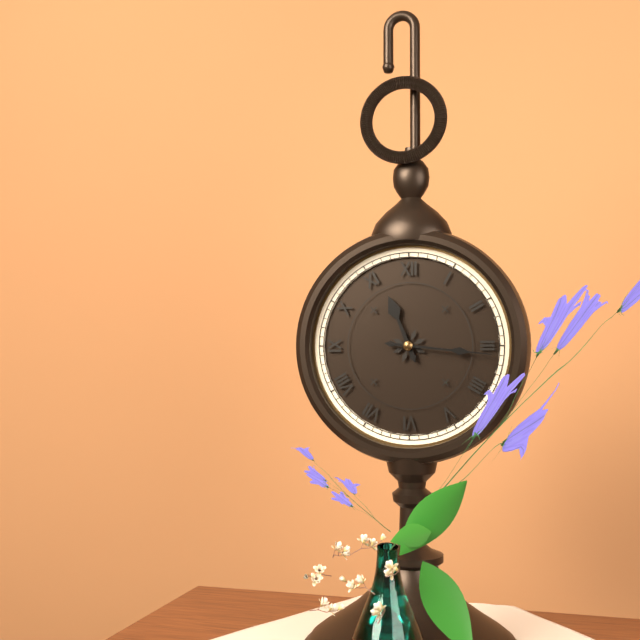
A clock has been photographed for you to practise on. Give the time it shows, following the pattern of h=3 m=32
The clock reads h=11 m=16
